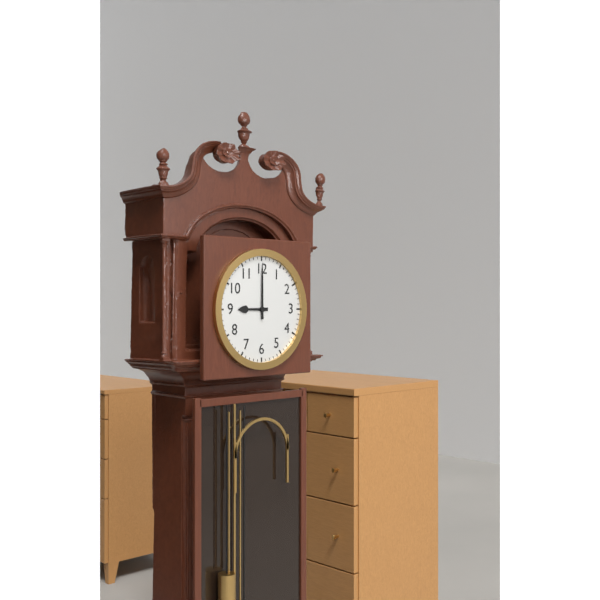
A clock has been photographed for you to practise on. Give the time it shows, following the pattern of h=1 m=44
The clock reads h=9 m=0
